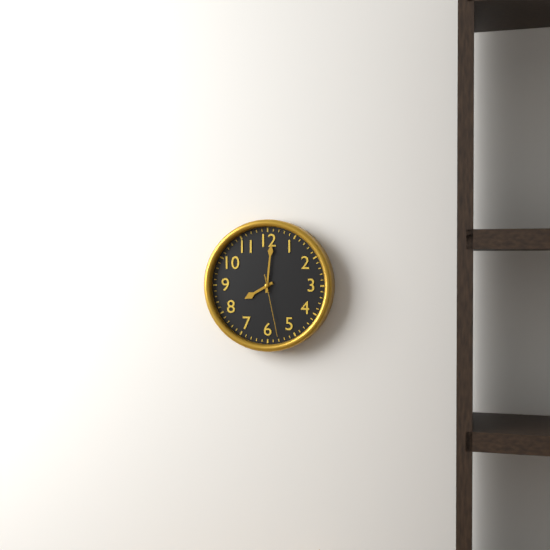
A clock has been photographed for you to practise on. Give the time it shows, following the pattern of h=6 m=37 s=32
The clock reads h=8 m=1 s=28
